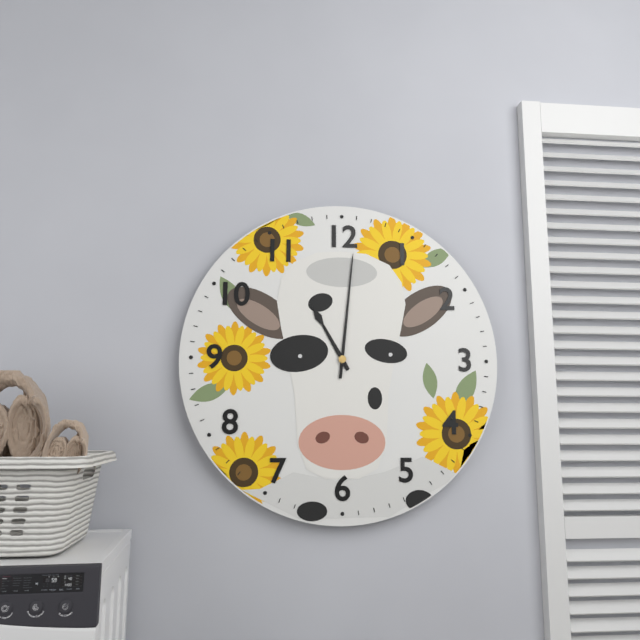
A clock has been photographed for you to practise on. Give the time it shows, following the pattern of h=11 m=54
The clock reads h=11 m=1
